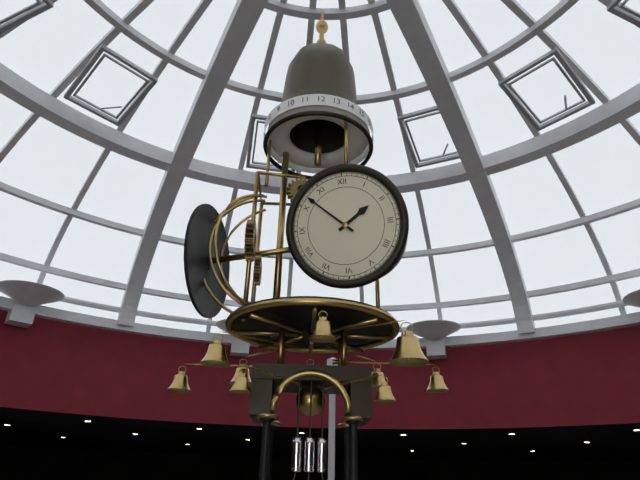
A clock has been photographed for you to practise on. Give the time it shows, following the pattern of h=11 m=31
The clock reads h=1 m=52
